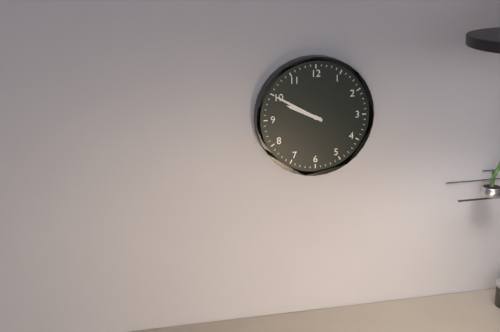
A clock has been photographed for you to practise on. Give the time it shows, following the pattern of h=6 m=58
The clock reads h=9 m=50
